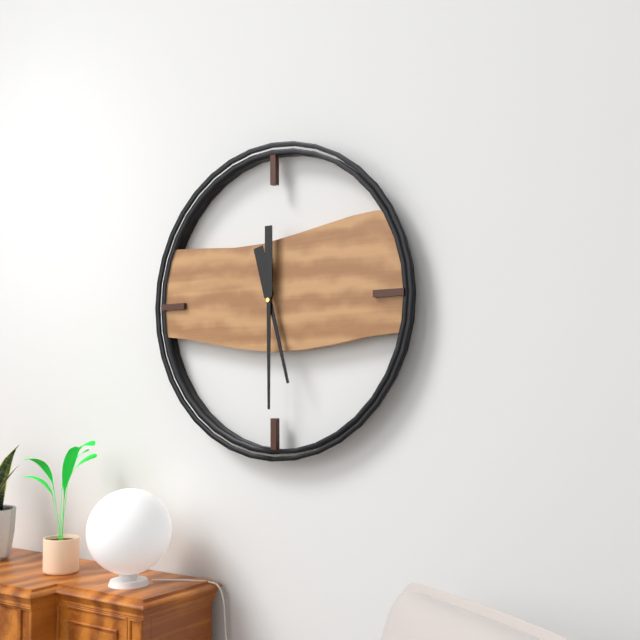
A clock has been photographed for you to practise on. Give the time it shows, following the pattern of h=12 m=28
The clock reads h=5 m=30
